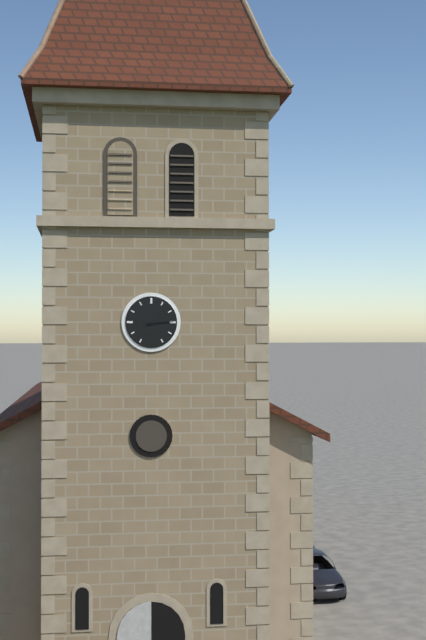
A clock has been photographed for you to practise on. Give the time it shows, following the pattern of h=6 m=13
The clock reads h=1 m=14
